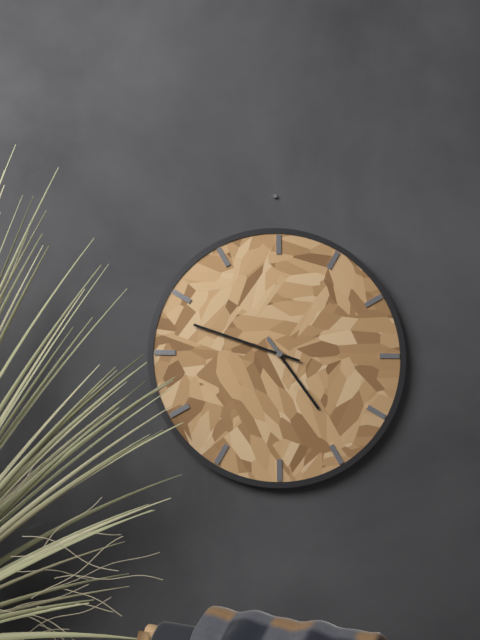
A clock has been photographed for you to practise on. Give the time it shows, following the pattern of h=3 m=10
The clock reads h=4 m=48
